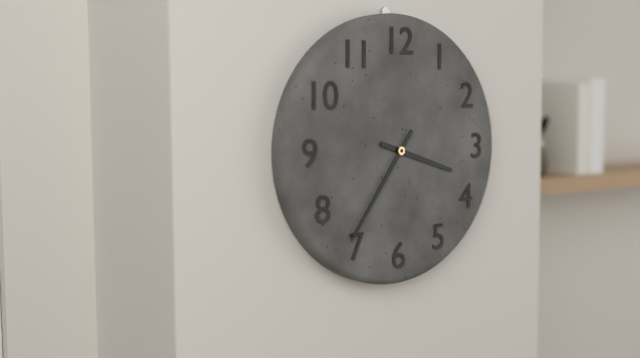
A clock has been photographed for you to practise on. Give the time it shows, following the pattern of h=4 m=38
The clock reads h=3 m=36
